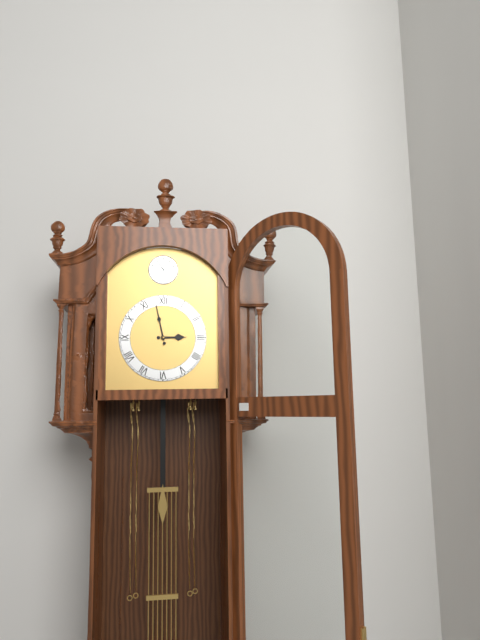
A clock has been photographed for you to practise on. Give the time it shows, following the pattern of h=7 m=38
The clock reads h=2 m=58
